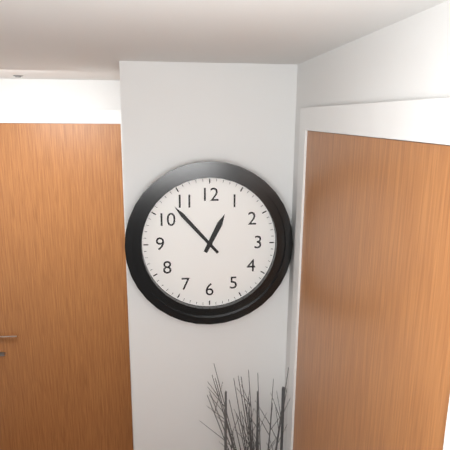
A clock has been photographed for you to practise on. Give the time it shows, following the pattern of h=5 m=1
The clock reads h=12 m=53
